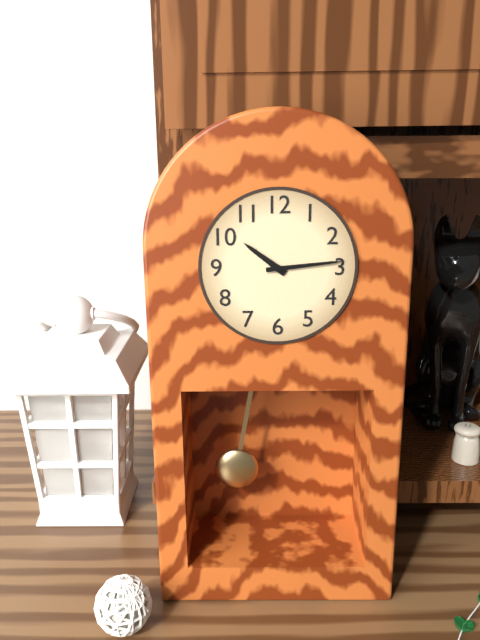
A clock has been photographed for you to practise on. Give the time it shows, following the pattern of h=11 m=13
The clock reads h=10 m=14
